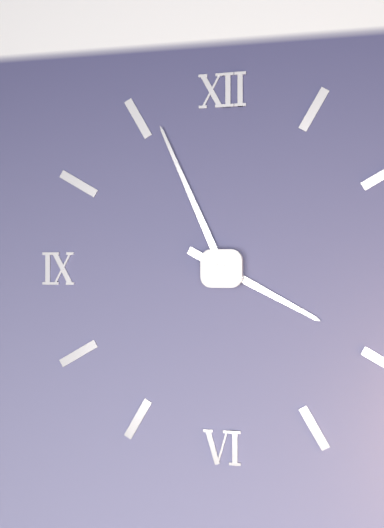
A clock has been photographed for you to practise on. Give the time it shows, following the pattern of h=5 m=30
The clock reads h=3 m=56
